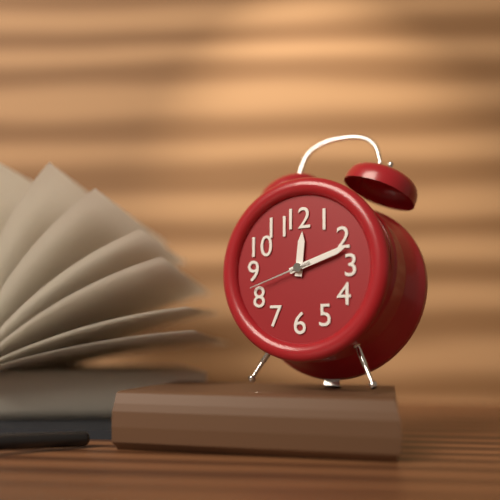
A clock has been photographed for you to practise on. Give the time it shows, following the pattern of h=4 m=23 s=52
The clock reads h=12 m=12 s=42
